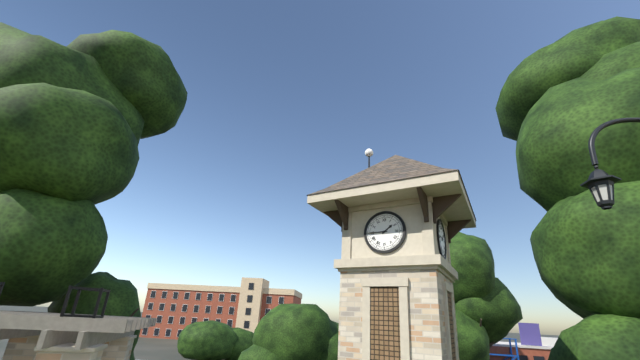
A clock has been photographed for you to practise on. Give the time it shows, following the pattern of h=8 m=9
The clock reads h=1 m=45
